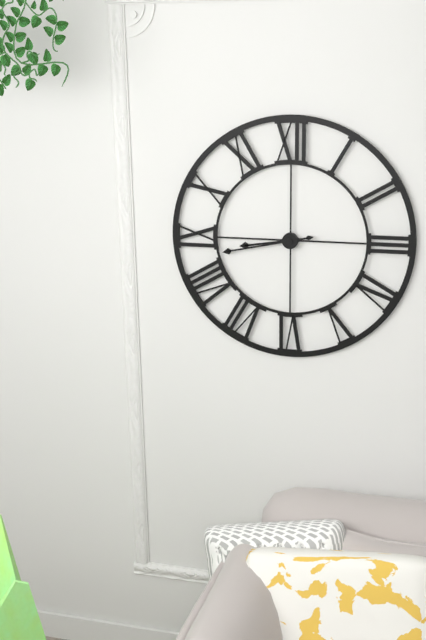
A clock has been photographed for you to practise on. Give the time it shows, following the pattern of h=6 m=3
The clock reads h=8 m=43
